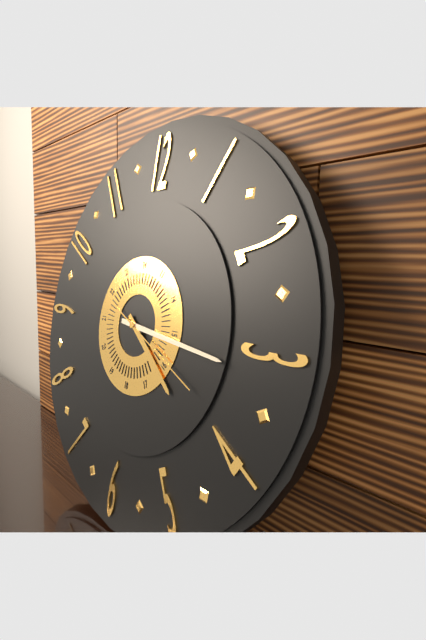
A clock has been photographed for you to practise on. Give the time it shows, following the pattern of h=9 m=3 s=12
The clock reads h=4 m=16 s=19
